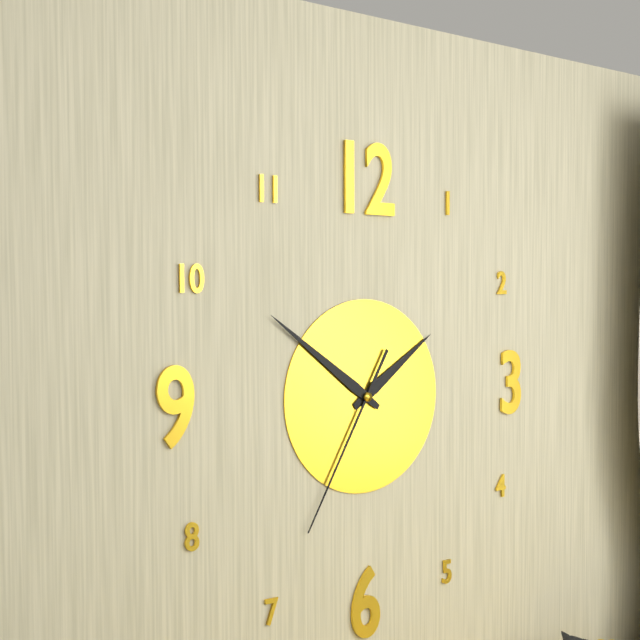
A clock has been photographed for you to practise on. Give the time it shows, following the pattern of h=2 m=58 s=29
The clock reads h=1 m=51 s=35
